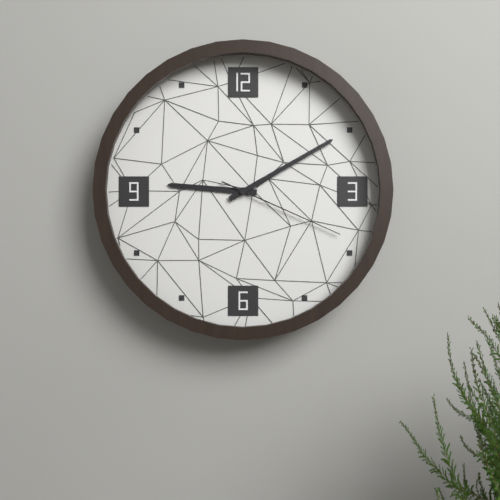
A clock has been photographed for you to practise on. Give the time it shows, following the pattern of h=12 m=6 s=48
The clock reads h=9 m=10 s=19
